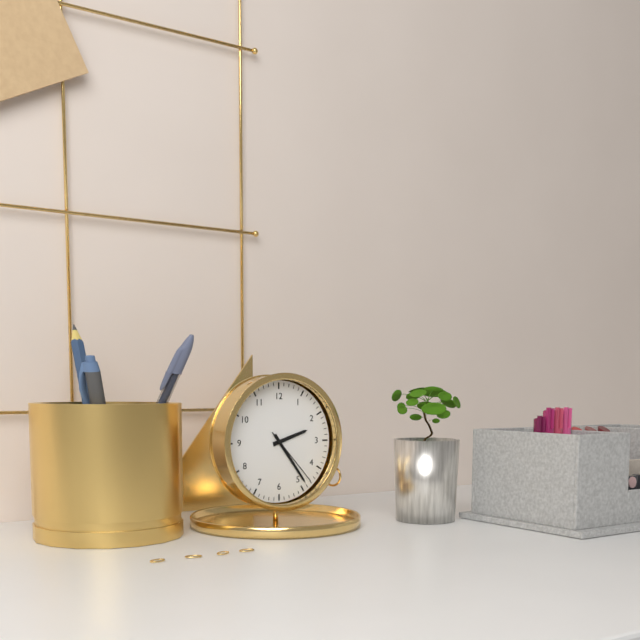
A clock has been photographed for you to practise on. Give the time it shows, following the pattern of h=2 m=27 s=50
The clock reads h=2 m=24 s=23
